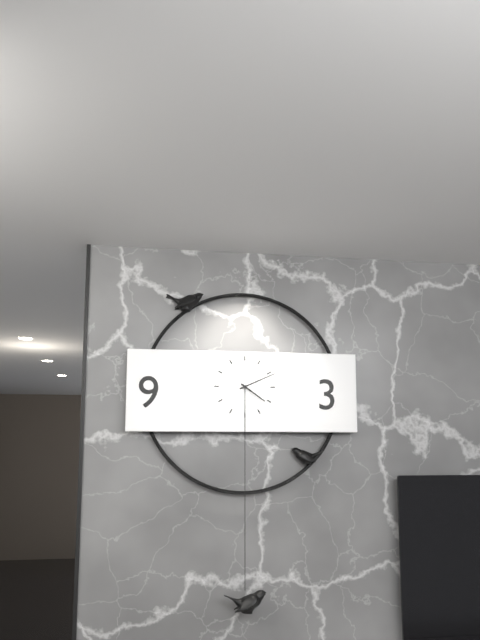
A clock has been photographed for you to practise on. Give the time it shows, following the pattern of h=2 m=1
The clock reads h=4 m=11
